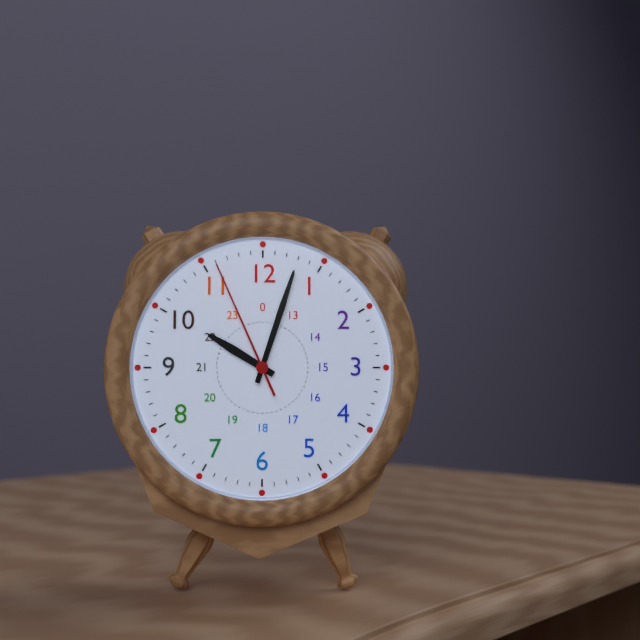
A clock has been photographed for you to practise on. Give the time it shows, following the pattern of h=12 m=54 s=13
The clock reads h=10 m=3 s=56
